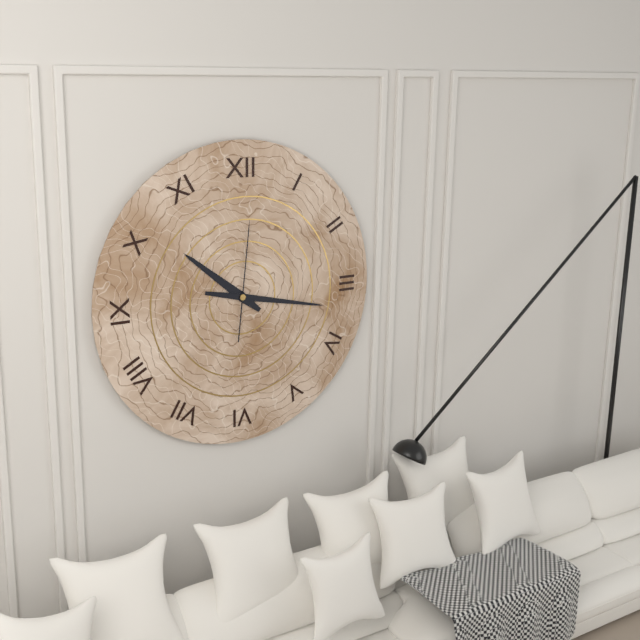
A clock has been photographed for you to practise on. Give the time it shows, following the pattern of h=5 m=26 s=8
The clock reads h=10 m=17 s=1
